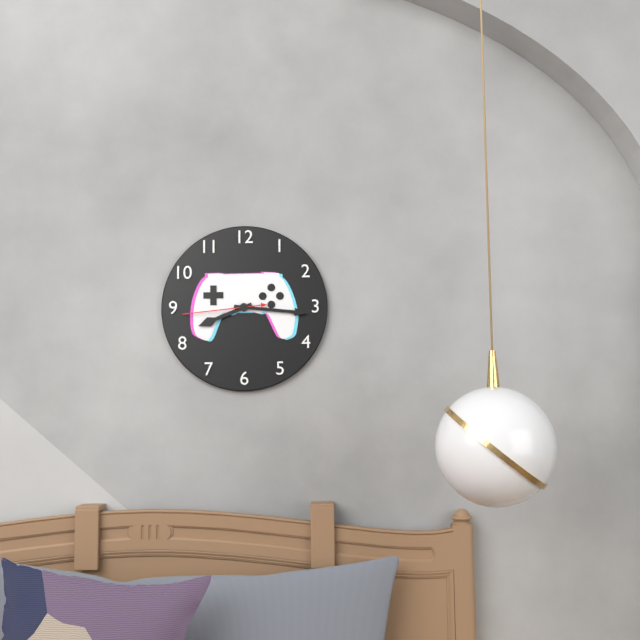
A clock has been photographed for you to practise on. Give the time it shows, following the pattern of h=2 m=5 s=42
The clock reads h=8 m=16 s=44
